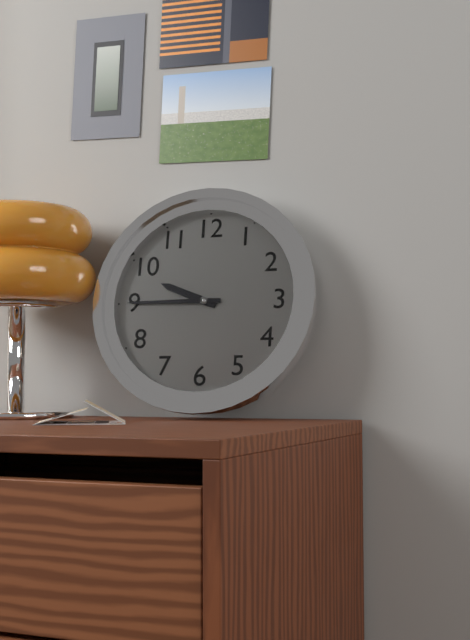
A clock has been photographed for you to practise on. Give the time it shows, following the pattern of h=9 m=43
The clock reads h=9 m=45
